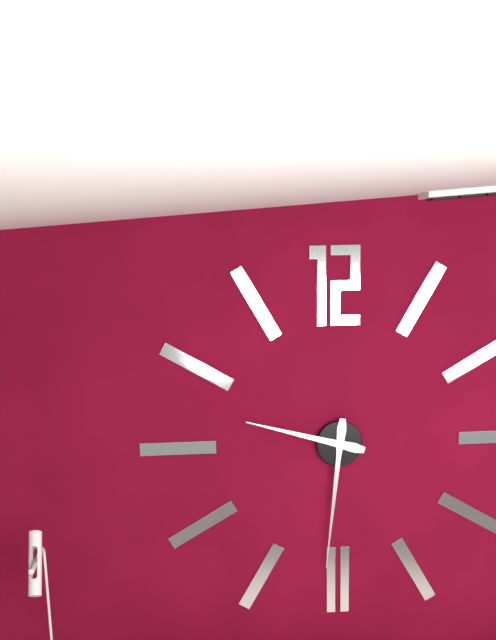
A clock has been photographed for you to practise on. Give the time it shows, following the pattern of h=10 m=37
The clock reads h=9 m=31
